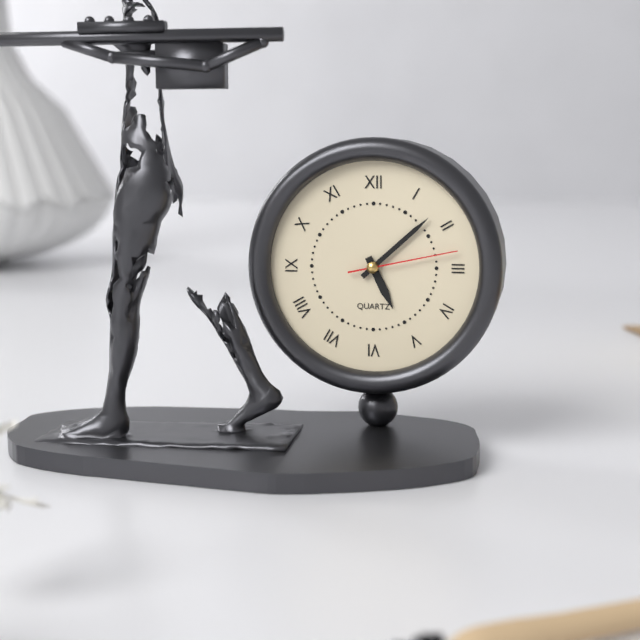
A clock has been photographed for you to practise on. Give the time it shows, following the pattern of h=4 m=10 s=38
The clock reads h=5 m=8 s=13
